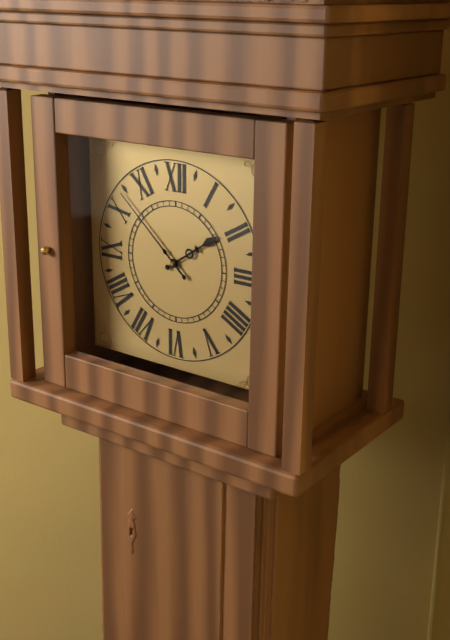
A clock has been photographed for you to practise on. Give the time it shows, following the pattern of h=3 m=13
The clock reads h=1 m=52
